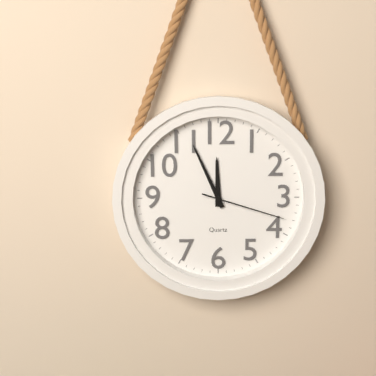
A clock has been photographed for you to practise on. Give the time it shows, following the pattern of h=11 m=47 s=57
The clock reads h=11 m=56 s=18
